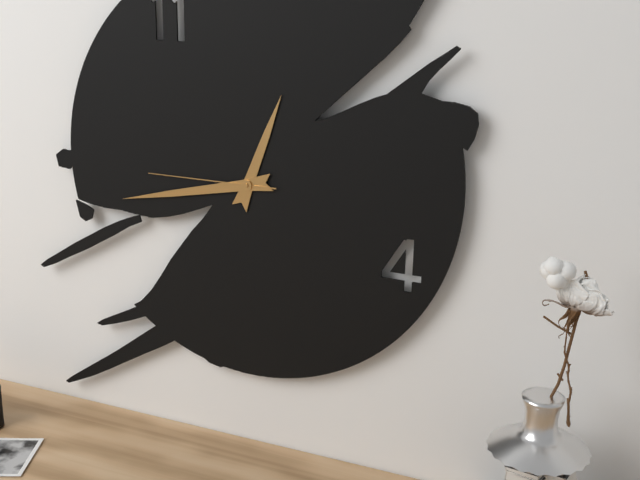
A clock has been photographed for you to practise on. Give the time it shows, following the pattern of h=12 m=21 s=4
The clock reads h=12 m=43 s=45
